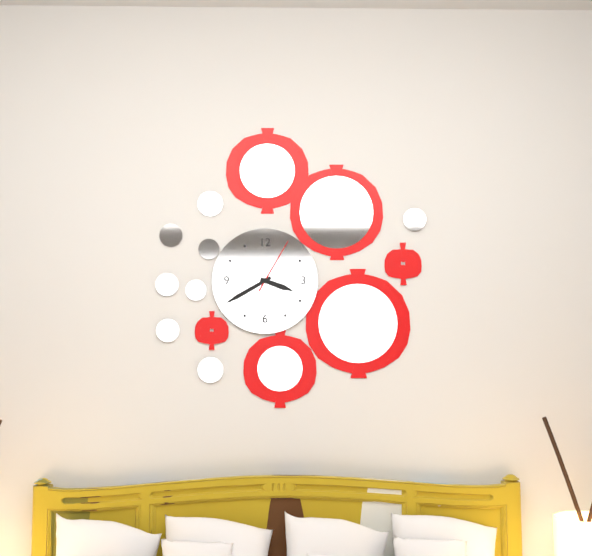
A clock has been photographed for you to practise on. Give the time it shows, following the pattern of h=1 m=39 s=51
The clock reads h=3 m=40 s=5
